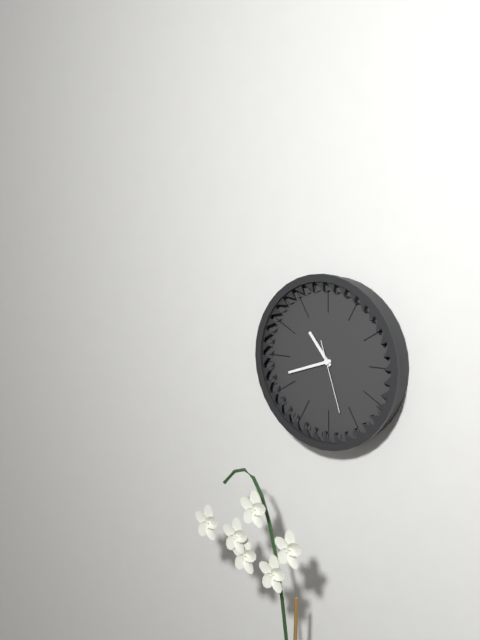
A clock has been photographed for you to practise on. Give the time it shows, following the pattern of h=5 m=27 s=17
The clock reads h=10 m=42 s=27
